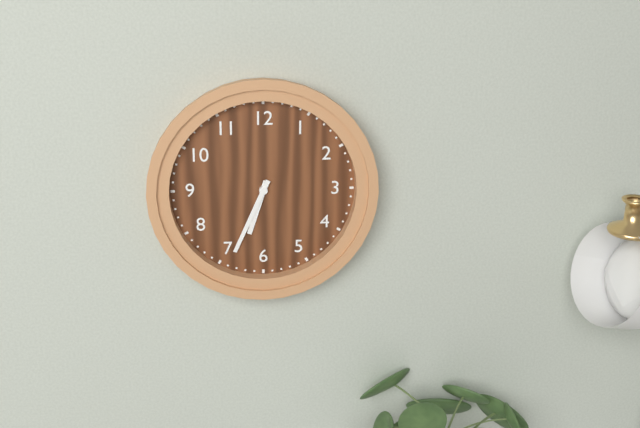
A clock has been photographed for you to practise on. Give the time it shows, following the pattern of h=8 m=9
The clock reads h=6 m=34
